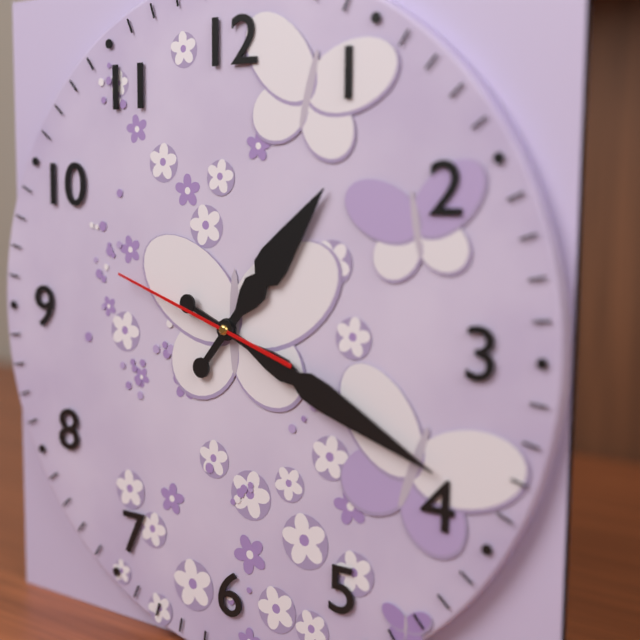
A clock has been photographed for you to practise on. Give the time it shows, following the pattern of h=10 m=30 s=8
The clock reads h=1 m=19 s=48
